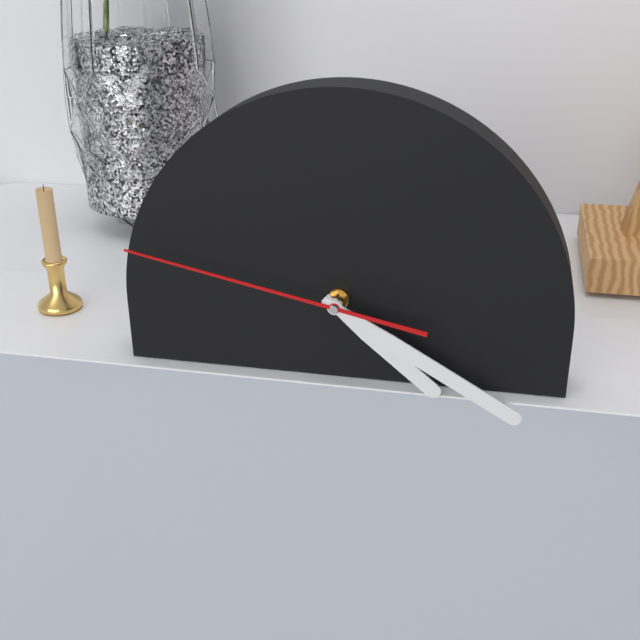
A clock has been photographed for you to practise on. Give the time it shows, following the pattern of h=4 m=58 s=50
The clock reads h=4 m=20 s=47
